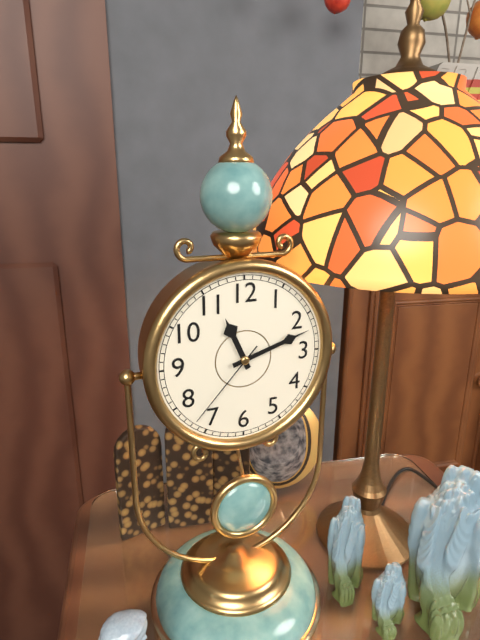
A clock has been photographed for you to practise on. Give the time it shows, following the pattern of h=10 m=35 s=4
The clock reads h=11 m=12 s=37
